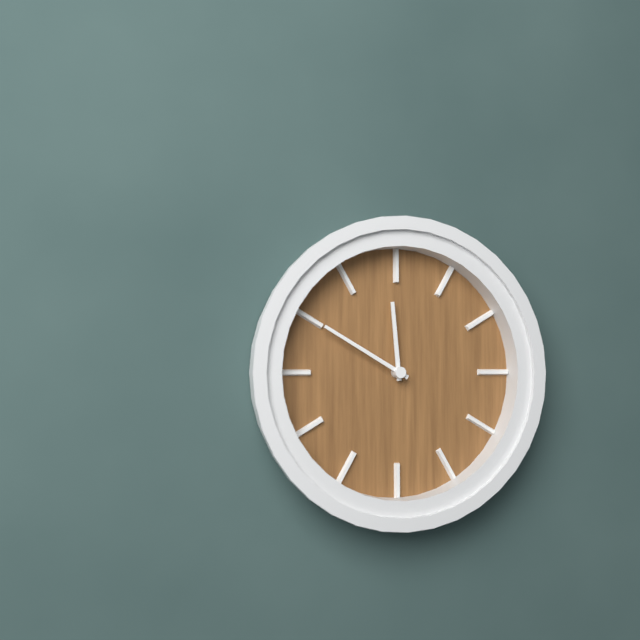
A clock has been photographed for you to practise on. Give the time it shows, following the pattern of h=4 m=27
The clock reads h=11 m=50
